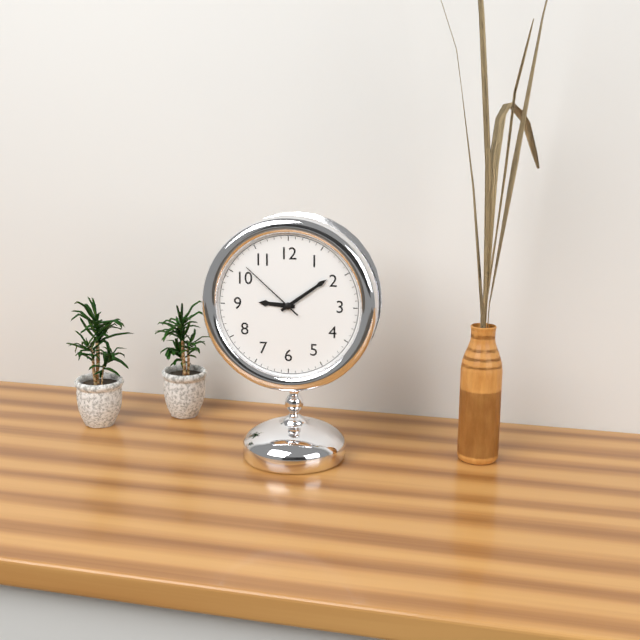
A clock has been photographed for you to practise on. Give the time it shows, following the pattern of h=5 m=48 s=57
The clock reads h=9 m=9 s=52
